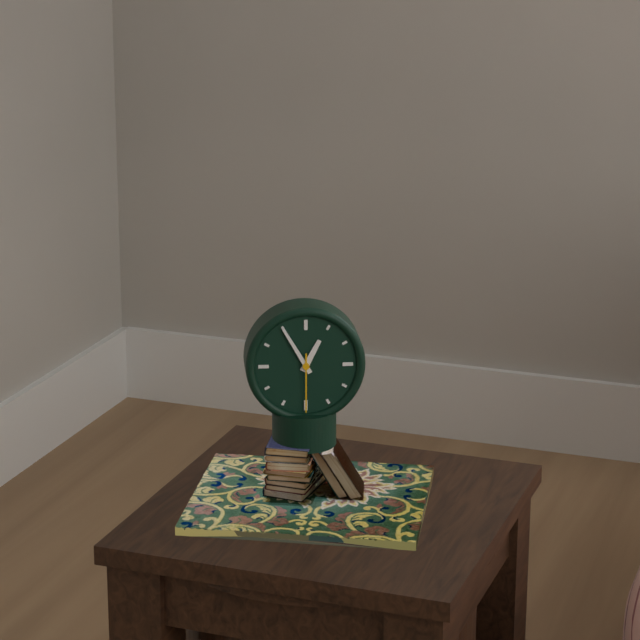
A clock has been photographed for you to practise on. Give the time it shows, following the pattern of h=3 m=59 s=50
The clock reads h=12 m=55 s=30
